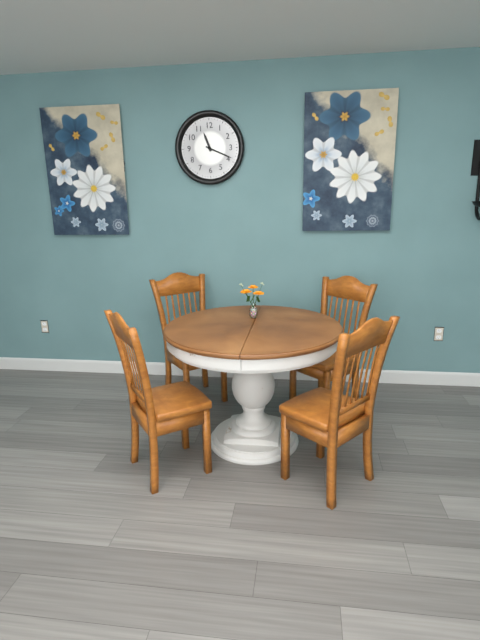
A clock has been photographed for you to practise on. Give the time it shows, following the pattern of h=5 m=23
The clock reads h=11 m=19
